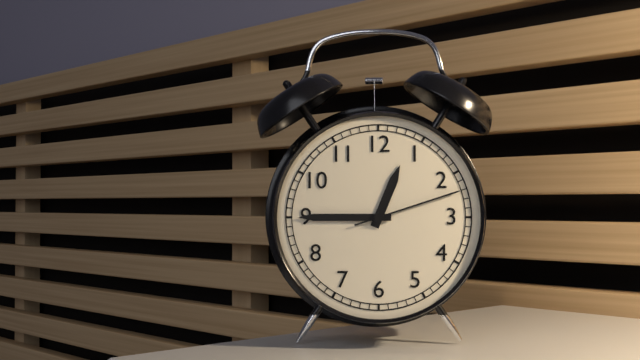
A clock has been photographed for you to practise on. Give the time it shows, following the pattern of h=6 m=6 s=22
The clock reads h=12 m=45 s=12
